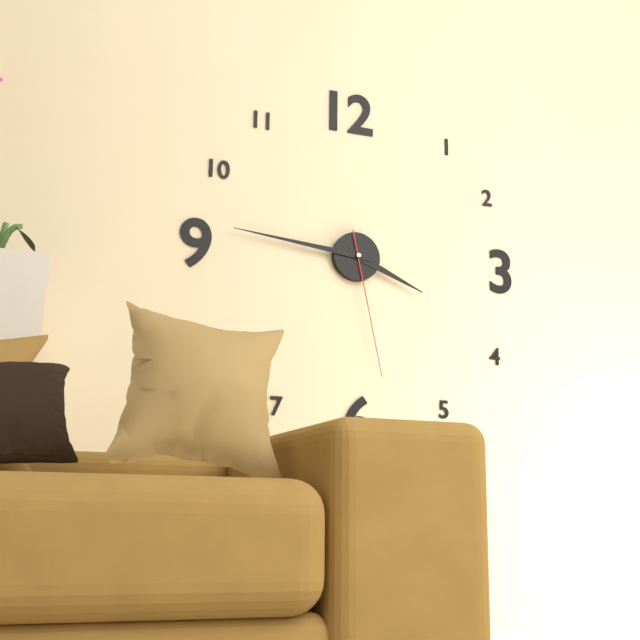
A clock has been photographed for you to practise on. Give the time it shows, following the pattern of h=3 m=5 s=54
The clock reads h=3 m=46 s=28
